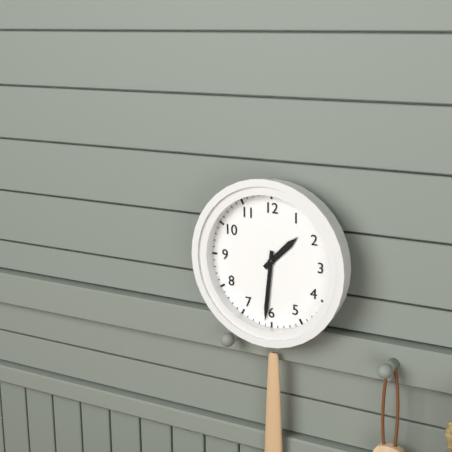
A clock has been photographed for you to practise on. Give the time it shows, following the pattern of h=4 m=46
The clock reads h=1 m=31
